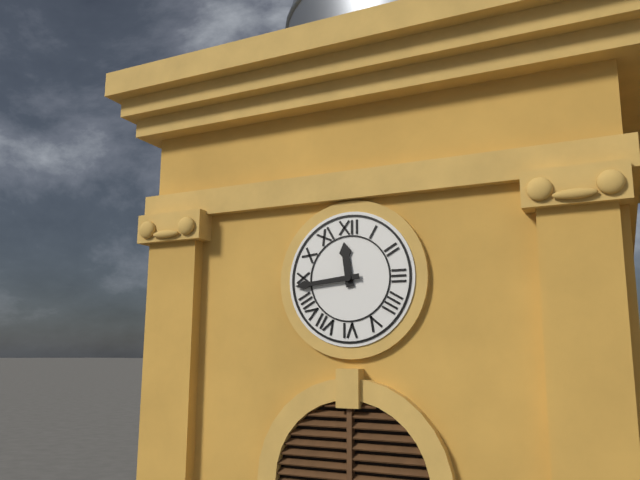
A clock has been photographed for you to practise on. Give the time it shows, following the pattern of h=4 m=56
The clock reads h=11 m=44
